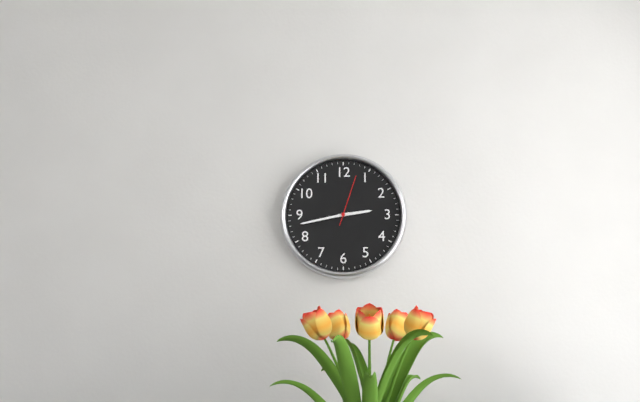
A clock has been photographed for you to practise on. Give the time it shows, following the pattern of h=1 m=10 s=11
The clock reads h=2 m=43 s=3
